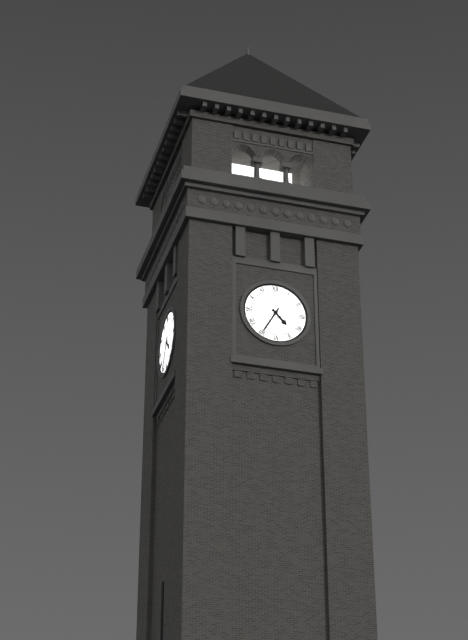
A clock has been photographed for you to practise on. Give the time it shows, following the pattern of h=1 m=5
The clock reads h=4 m=35
